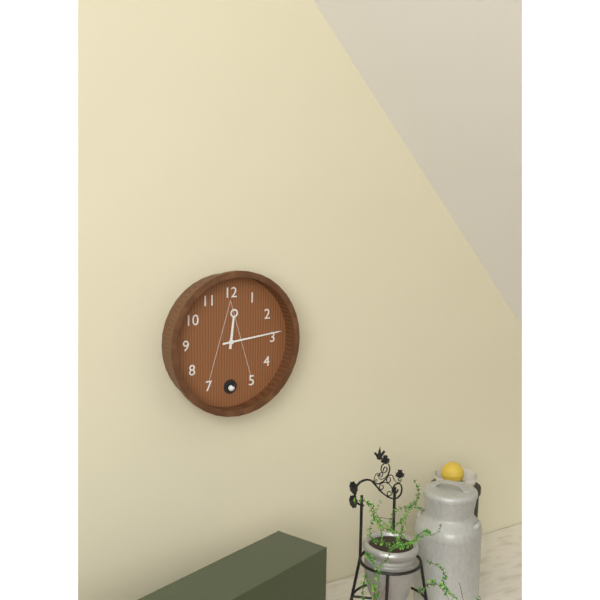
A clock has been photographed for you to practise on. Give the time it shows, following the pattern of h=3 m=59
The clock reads h=12 m=14
